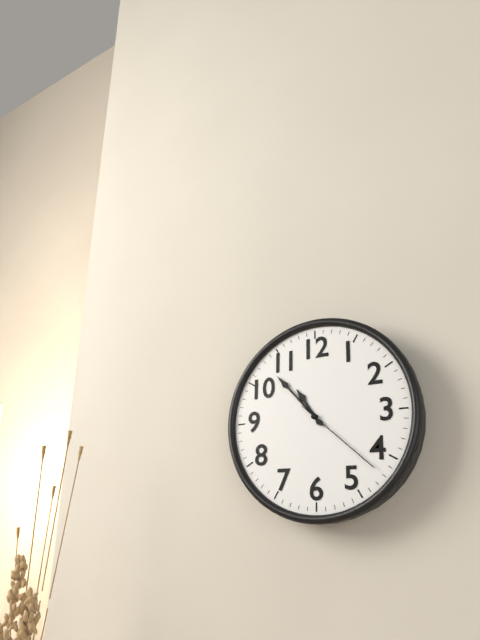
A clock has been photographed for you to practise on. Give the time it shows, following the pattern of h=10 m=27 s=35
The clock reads h=10 m=53 s=22
